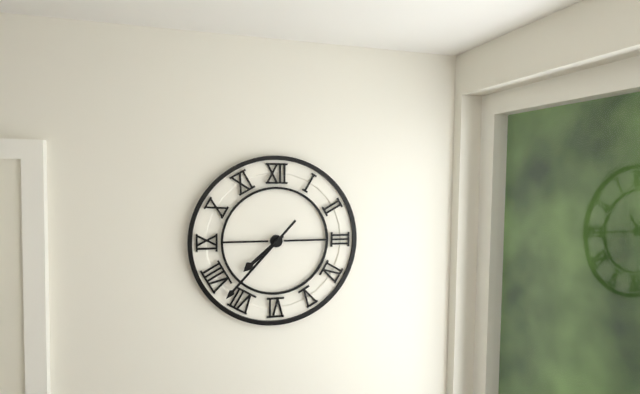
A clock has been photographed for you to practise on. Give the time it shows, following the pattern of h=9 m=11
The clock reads h=7 m=37
